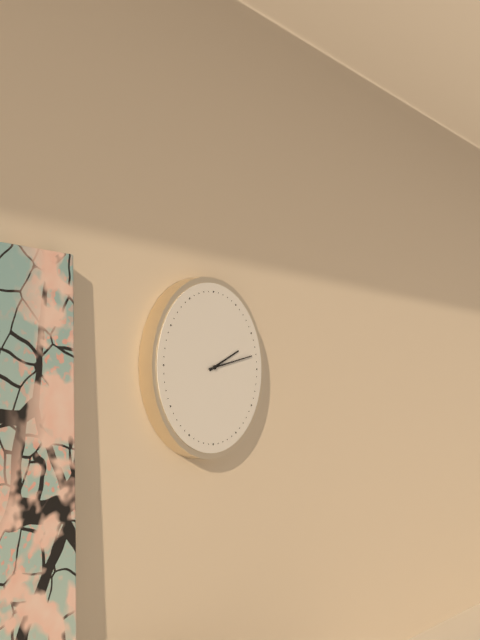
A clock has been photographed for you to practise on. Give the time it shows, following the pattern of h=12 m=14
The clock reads h=2 m=13
